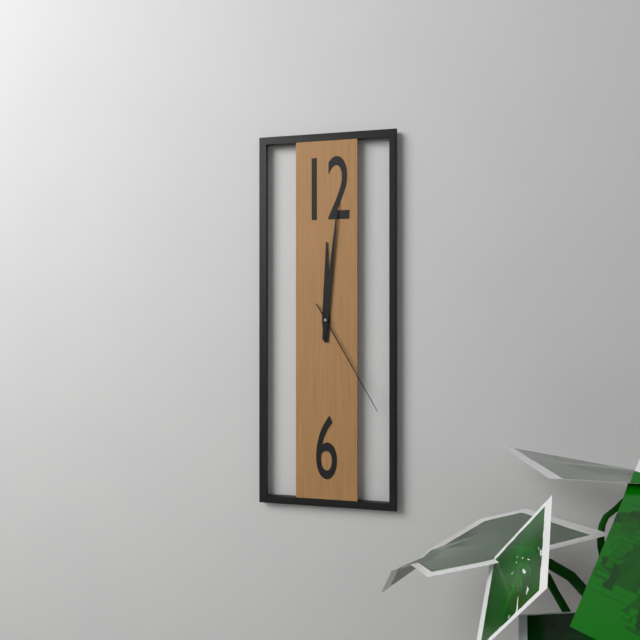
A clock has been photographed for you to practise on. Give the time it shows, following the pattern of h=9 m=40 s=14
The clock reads h=12 m=1 s=25
